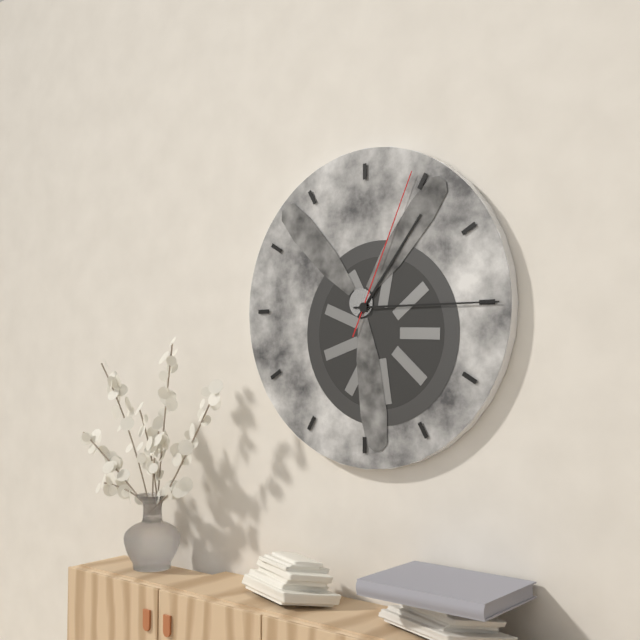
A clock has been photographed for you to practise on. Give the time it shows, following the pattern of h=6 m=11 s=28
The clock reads h=1 m=15 s=4
